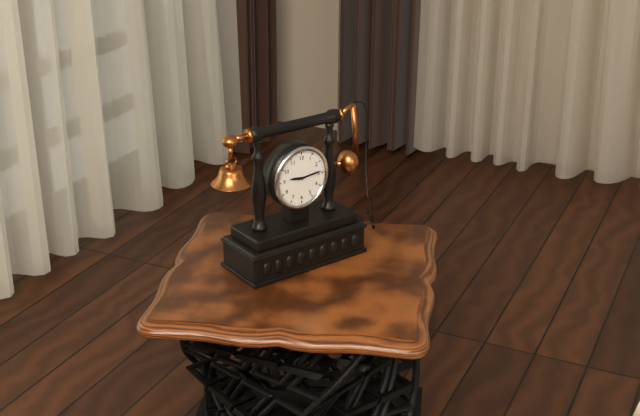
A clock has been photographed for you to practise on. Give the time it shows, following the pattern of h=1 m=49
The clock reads h=9 m=14
